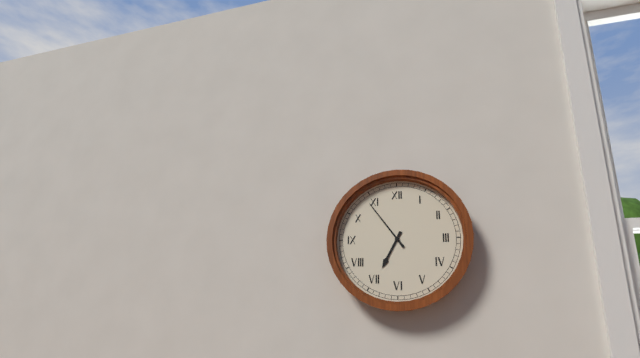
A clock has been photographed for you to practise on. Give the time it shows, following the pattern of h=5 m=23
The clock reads h=6 m=54
